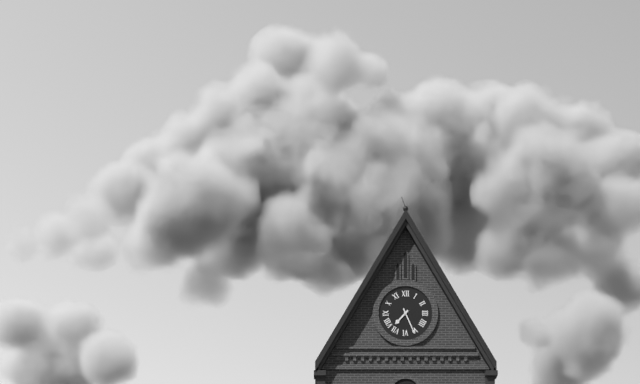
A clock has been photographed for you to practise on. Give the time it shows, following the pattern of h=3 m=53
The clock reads h=7 m=26
